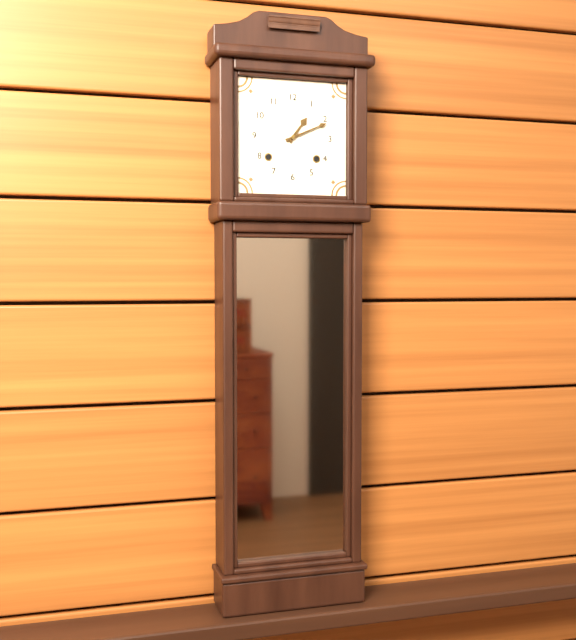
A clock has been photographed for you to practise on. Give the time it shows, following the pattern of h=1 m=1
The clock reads h=1 m=11
